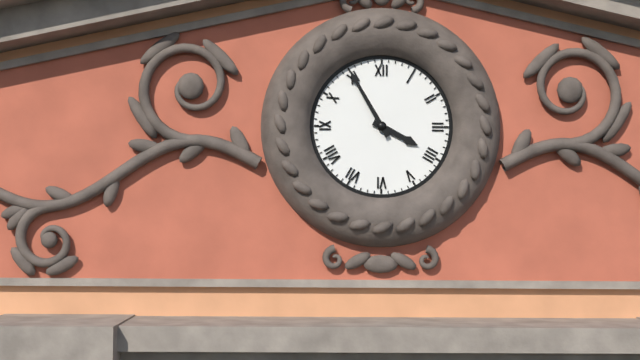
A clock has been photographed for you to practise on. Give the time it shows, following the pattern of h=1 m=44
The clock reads h=3 m=55
